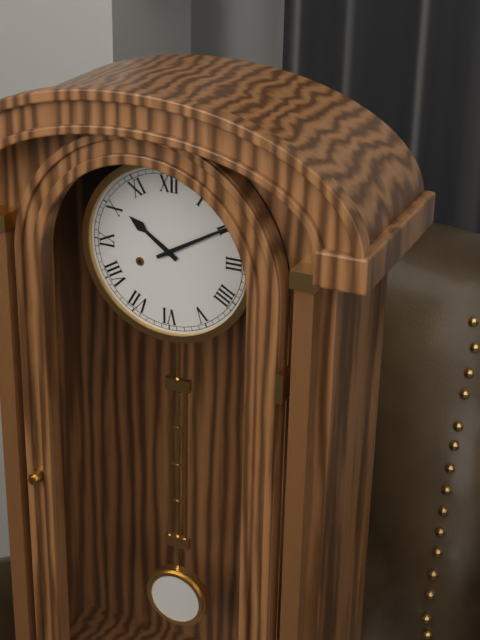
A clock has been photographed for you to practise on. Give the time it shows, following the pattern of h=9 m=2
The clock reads h=10 m=10
